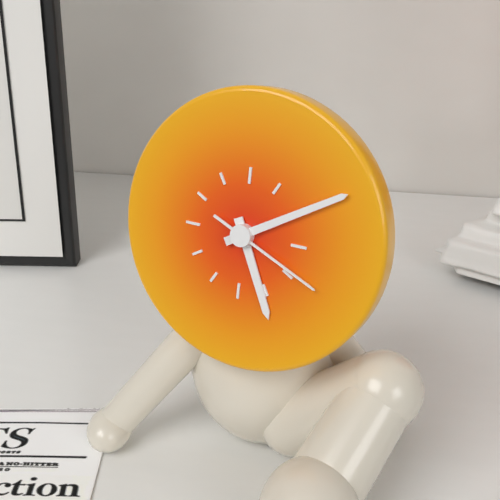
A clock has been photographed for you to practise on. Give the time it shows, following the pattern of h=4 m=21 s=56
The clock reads h=5 m=10 s=19
